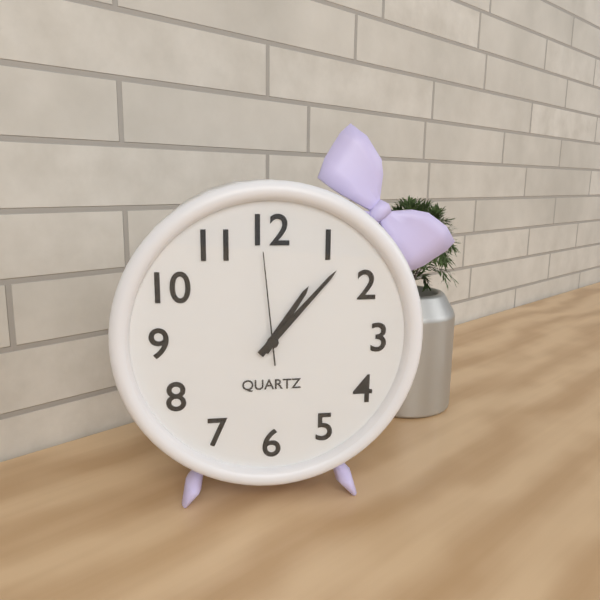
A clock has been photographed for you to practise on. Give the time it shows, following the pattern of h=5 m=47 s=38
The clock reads h=1 m=7 s=59
